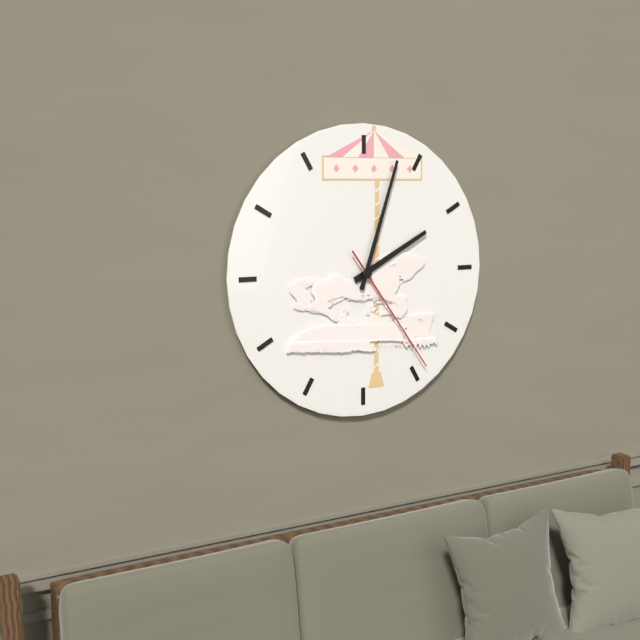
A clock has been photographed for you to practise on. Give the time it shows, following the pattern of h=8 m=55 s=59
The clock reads h=2 m=3 s=24
